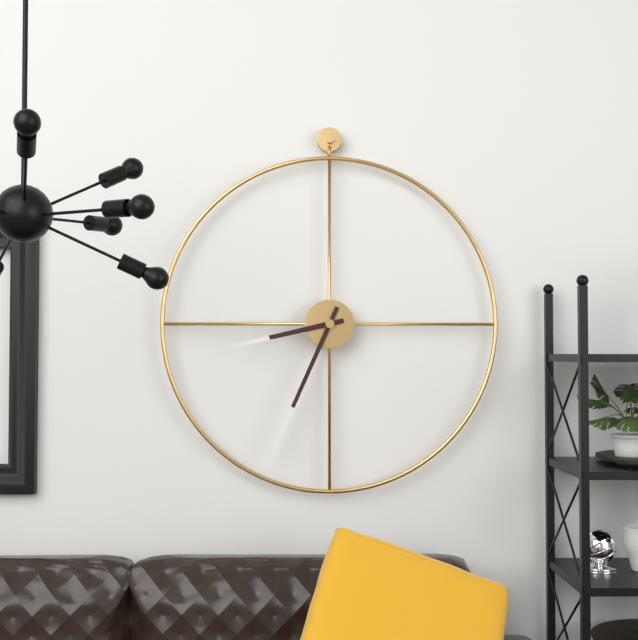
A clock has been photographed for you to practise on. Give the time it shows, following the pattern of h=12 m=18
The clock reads h=8 m=34
